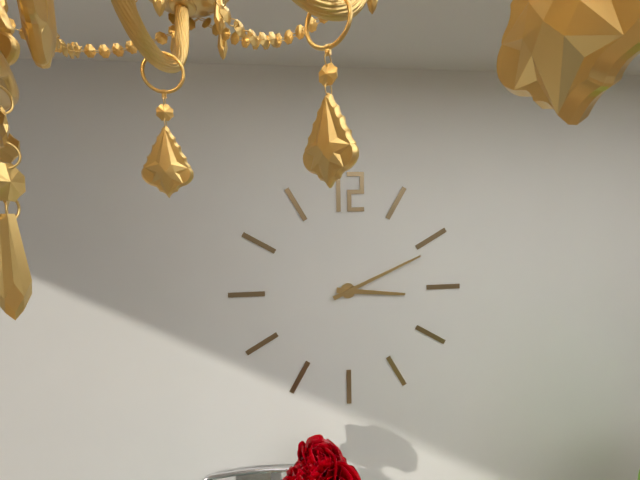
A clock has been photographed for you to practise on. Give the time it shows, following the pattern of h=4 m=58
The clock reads h=3 m=11
